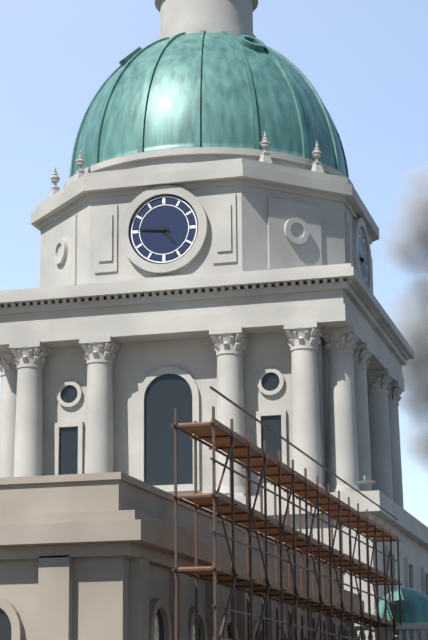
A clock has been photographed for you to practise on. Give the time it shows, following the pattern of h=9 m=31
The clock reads h=4 m=46
